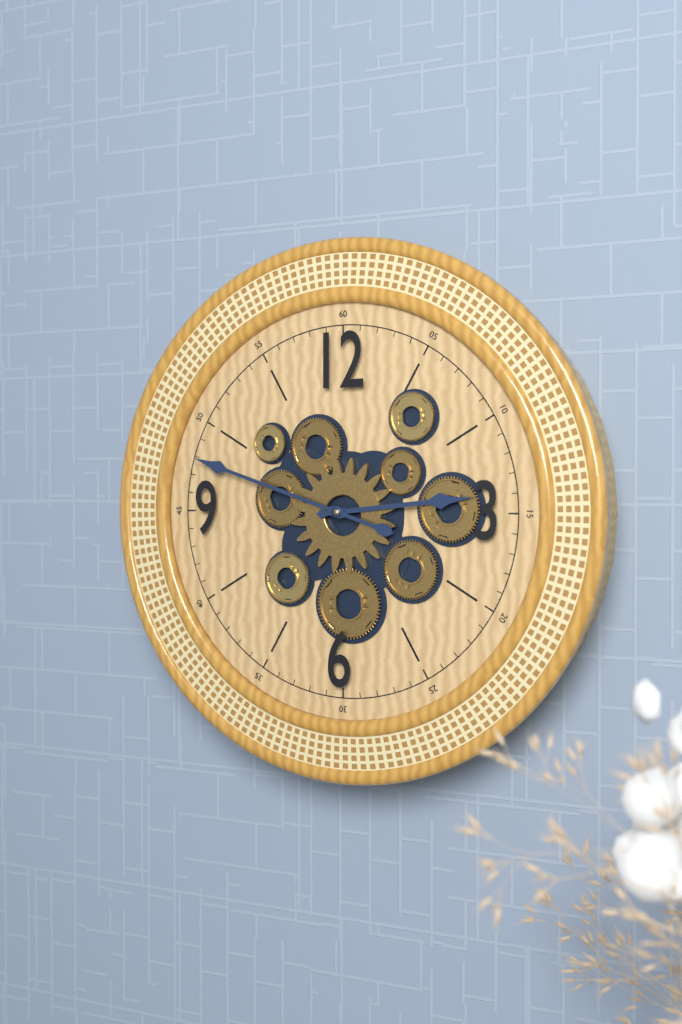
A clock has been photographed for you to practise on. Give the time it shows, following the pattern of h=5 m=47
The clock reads h=2 m=48
